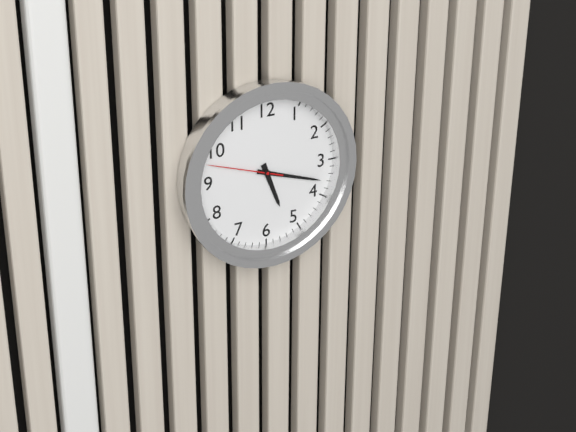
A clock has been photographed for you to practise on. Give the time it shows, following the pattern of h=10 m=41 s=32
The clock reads h=5 m=18 s=48
